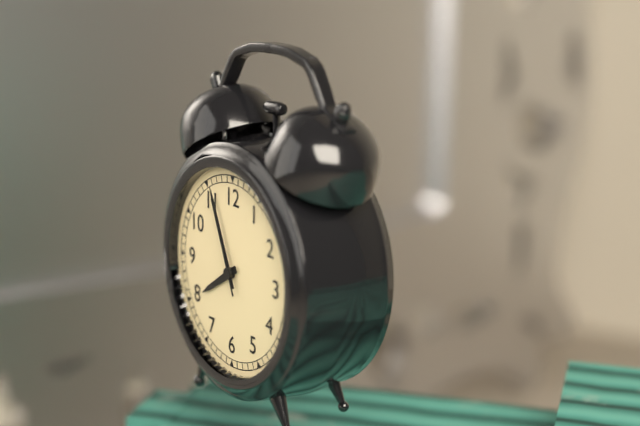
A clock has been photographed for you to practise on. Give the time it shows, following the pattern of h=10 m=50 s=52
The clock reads h=7 m=56 s=56
